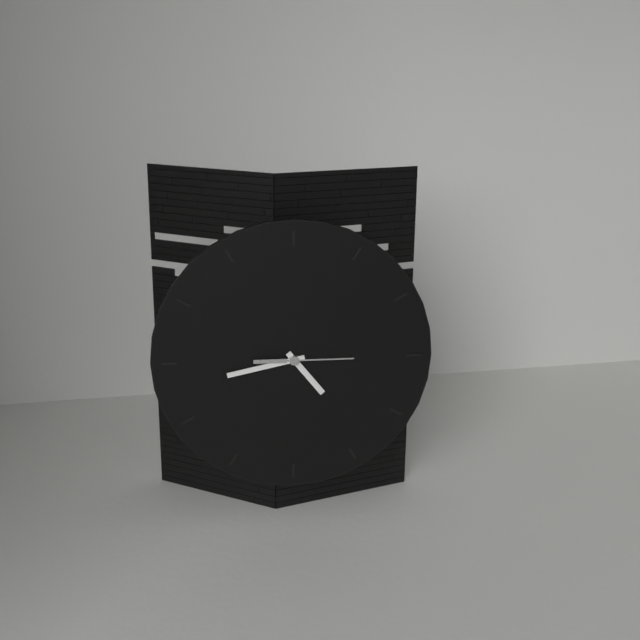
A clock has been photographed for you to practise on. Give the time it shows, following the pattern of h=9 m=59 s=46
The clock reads h=4 m=43 s=15
